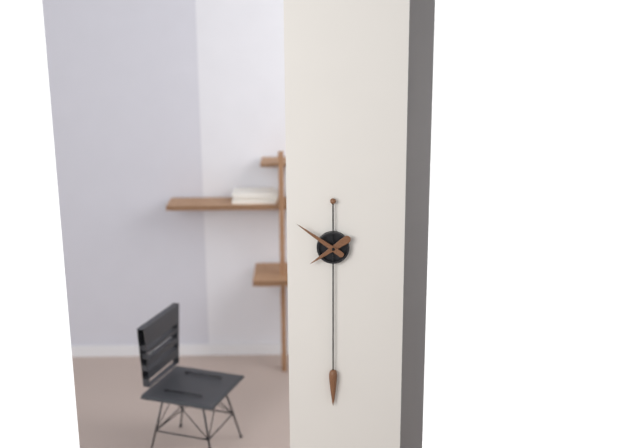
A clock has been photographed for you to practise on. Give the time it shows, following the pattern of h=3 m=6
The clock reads h=7 m=51
